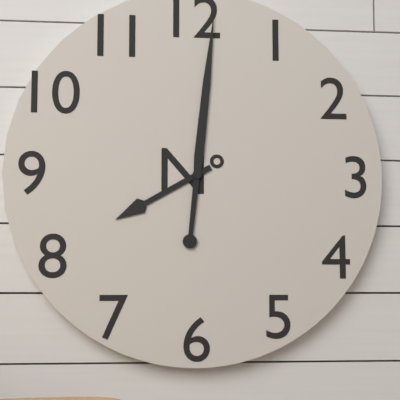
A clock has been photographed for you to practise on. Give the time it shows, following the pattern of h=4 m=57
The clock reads h=8 m=1
